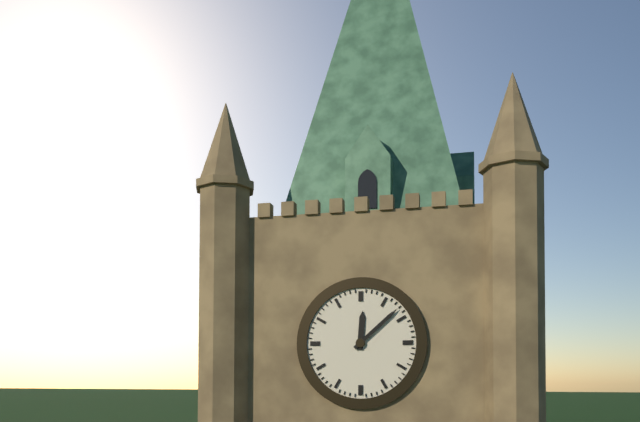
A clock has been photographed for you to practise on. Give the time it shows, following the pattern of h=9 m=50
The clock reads h=12 m=8
